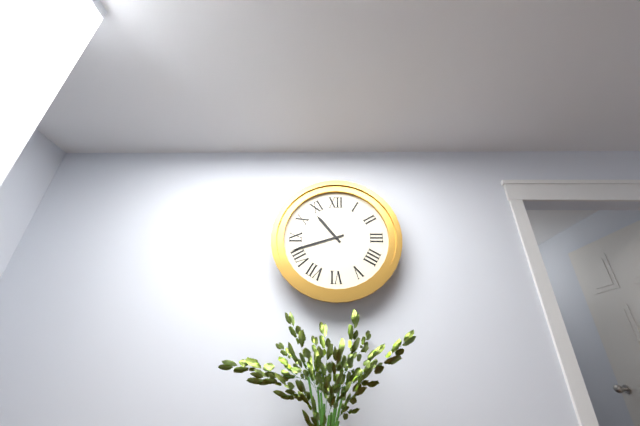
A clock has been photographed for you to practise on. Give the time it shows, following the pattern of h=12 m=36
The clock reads h=10 m=42
